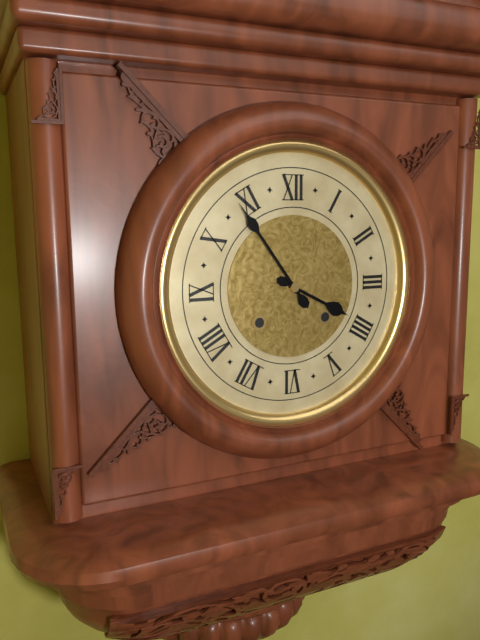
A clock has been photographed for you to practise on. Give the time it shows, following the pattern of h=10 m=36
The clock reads h=3 m=54
